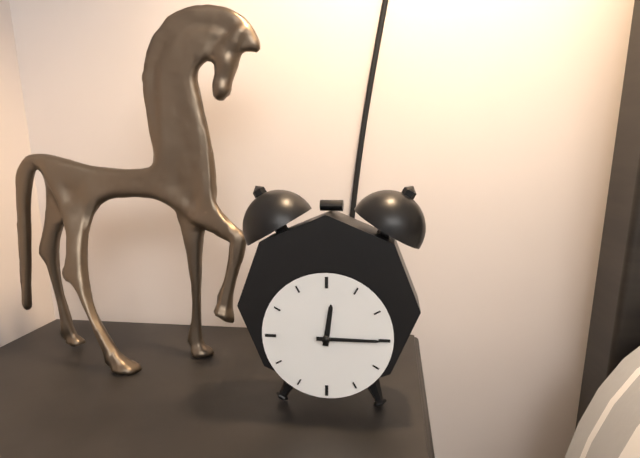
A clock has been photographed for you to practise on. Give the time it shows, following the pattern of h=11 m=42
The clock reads h=12 m=15
